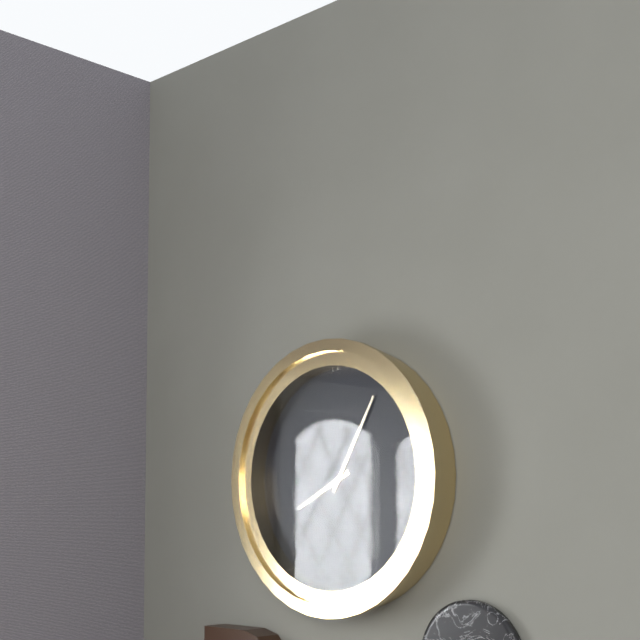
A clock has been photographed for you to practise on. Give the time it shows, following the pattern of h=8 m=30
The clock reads h=8 m=5
